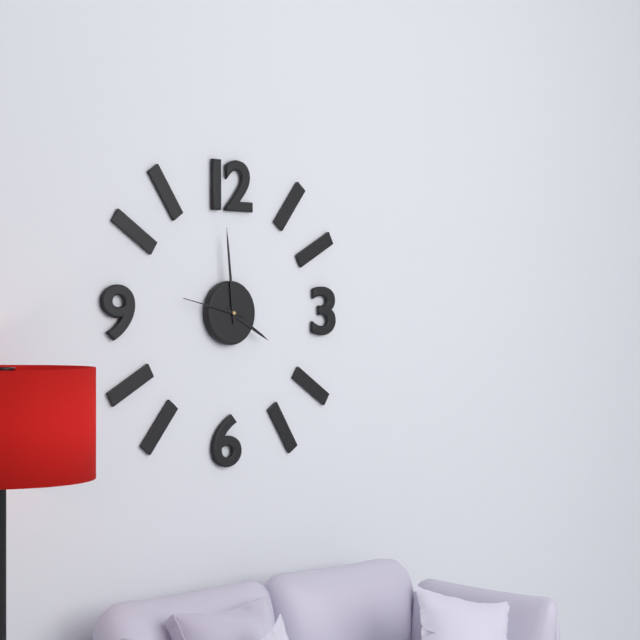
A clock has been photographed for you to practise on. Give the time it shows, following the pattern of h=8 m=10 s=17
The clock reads h=3 m=59 s=47
